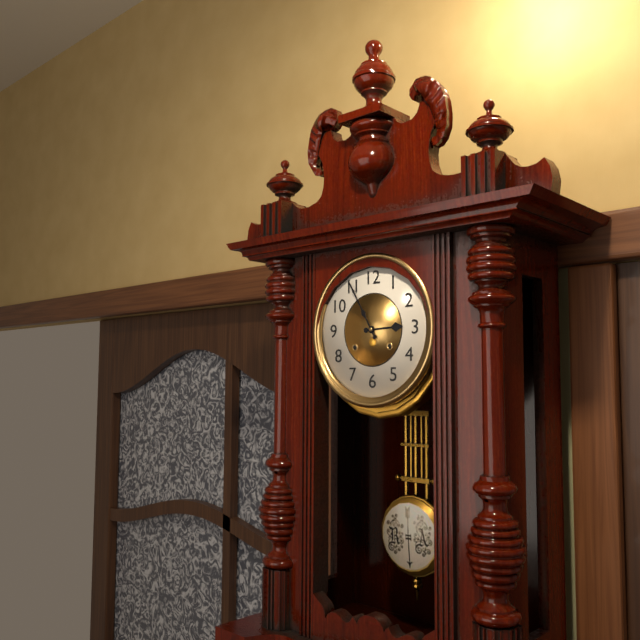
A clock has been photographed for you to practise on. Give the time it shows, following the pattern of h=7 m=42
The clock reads h=2 m=55
